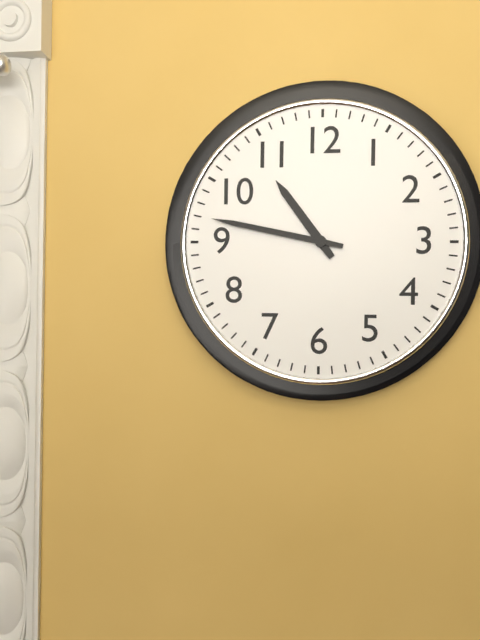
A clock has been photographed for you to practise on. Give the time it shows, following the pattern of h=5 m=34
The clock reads h=10 m=47
